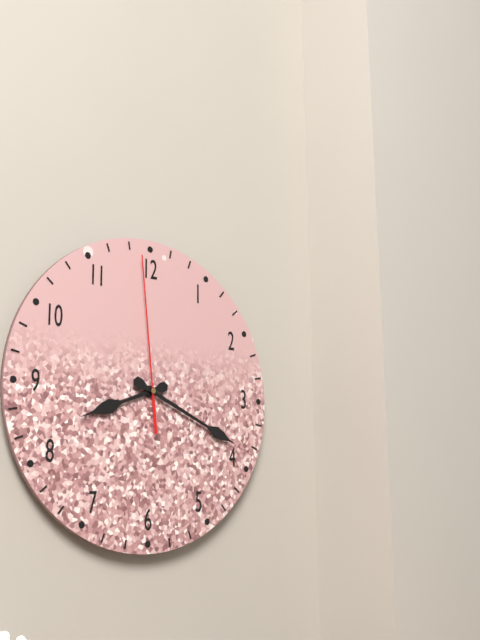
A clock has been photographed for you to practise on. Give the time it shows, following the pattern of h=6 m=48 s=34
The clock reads h=8 m=19 s=59
